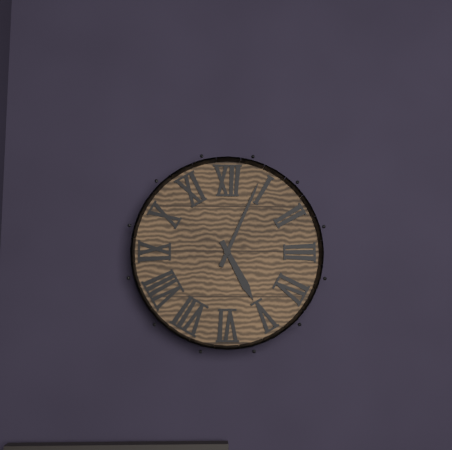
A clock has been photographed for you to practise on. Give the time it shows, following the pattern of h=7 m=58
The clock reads h=5 m=4
